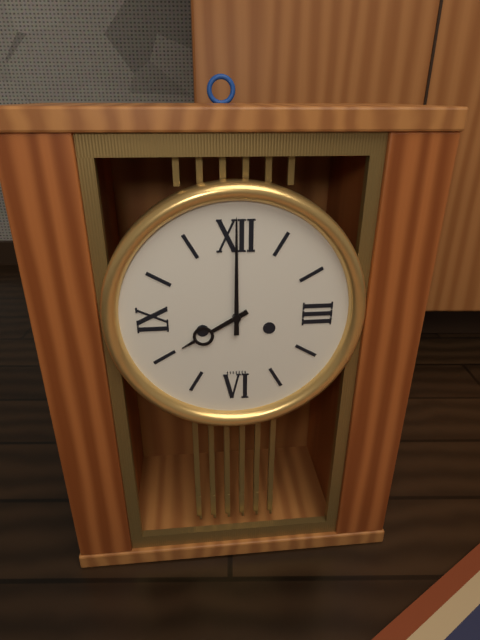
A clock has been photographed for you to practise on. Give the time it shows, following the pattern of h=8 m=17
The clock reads h=8 m=0
